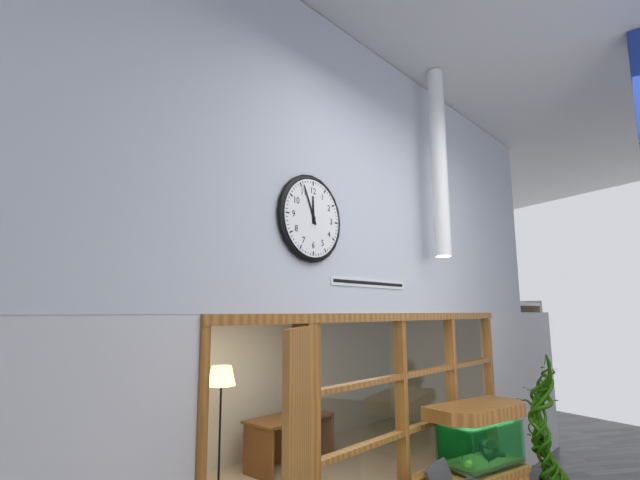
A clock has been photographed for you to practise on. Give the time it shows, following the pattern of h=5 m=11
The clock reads h=11 m=56
